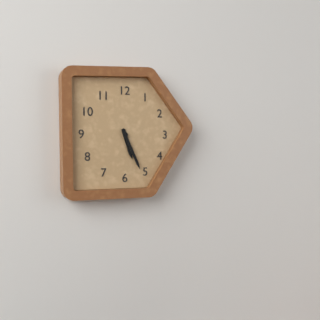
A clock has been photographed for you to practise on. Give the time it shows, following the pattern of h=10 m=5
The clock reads h=5 m=26
